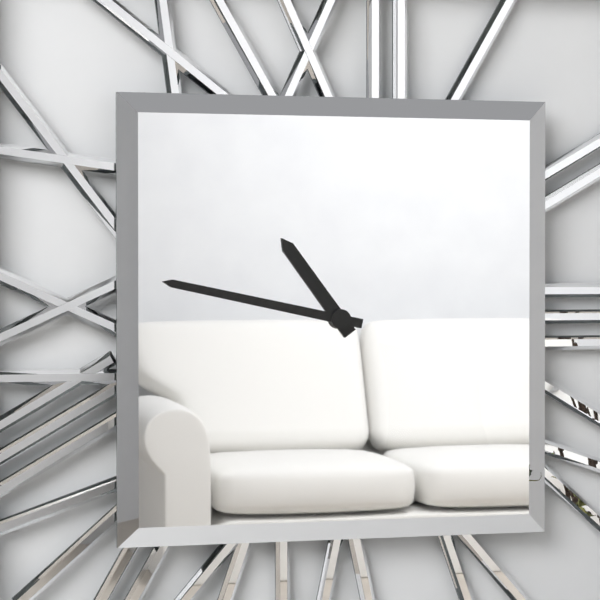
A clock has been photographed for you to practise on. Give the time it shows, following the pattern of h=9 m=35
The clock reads h=10 m=47
